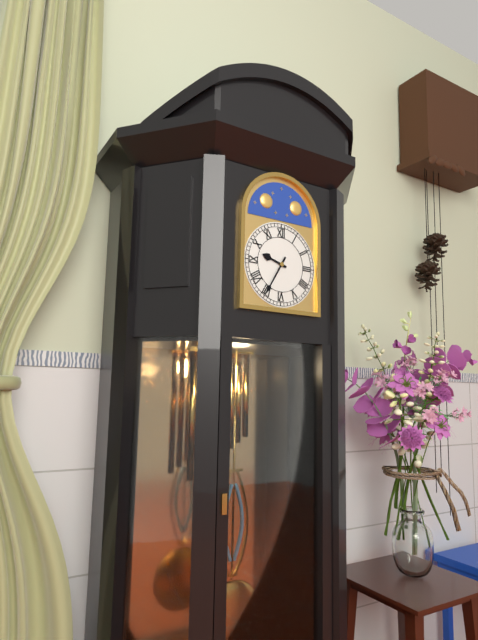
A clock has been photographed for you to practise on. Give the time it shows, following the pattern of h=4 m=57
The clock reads h=9 m=35
